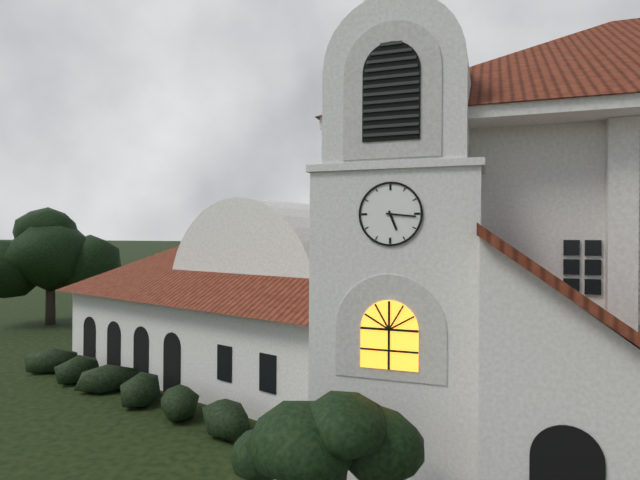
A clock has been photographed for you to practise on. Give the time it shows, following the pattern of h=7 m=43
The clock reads h=5 m=16
